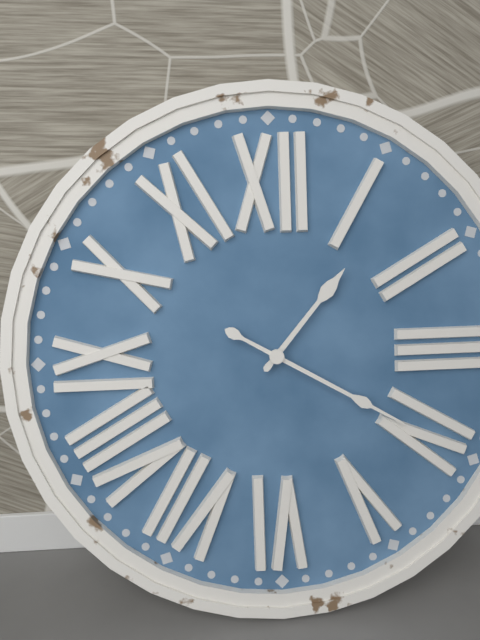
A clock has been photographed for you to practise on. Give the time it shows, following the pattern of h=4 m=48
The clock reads h=1 m=20
